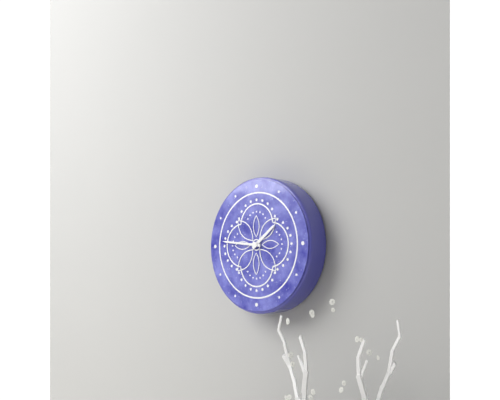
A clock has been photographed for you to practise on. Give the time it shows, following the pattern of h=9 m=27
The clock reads h=1 m=46
